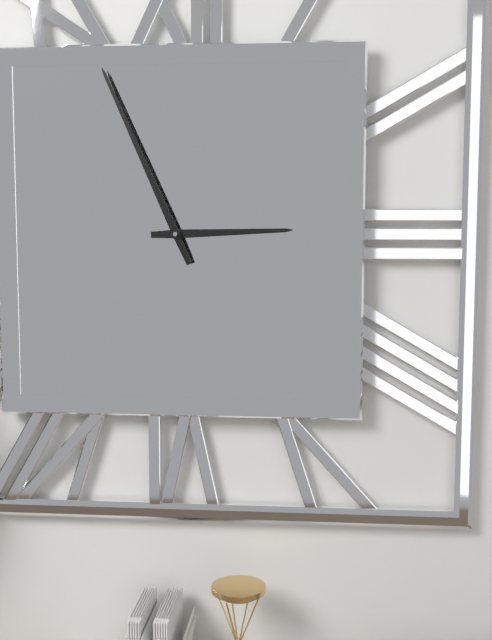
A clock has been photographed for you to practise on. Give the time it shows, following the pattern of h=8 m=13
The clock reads h=2 m=56
